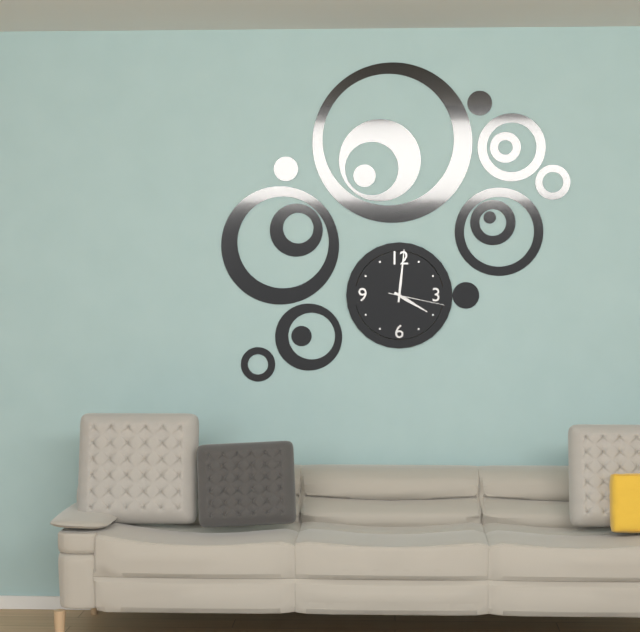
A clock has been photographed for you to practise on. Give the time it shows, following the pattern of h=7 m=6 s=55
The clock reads h=4 m=1 s=17
